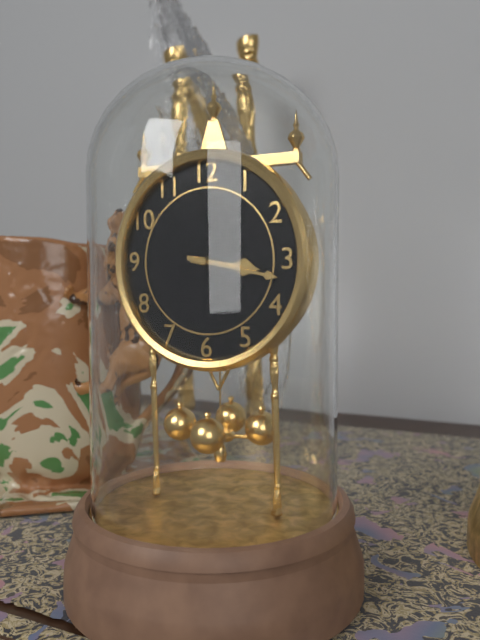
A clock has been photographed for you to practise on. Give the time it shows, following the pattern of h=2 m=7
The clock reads h=3 m=17
